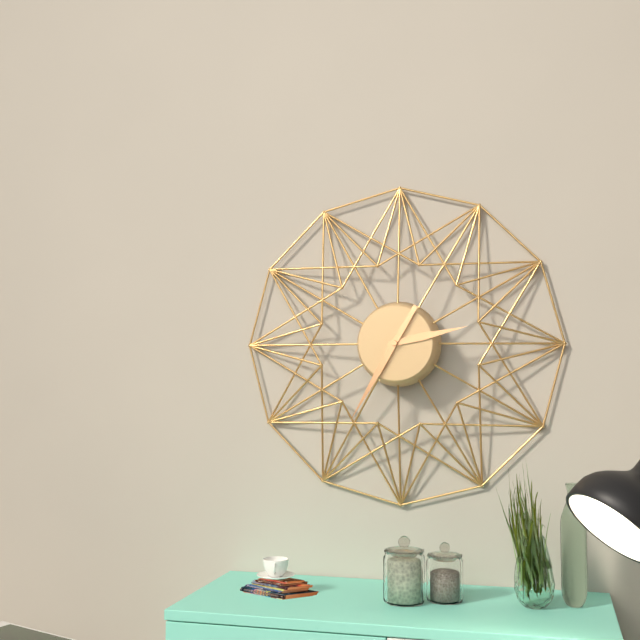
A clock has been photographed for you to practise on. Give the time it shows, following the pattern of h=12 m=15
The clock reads h=2 m=35
